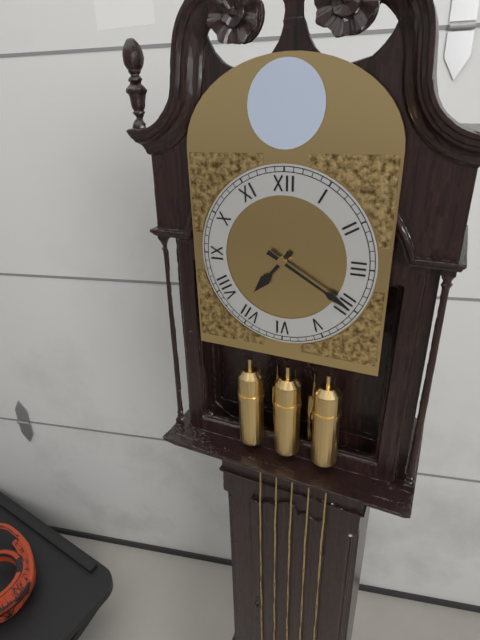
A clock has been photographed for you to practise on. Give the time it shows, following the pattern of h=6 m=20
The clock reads h=7 m=20
